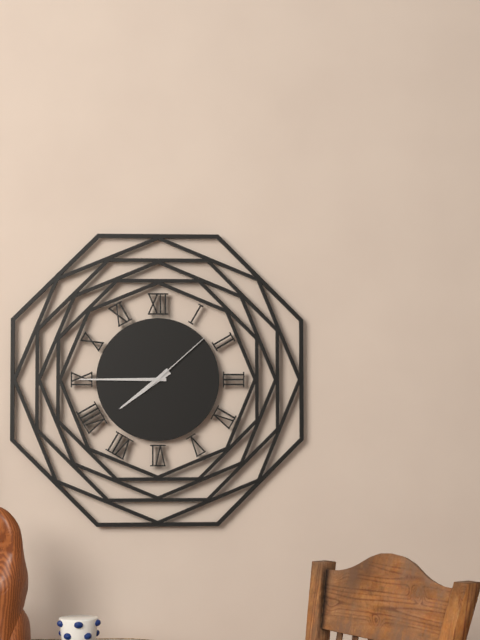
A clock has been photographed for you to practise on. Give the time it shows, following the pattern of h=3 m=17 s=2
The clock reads h=7 m=45 s=8
